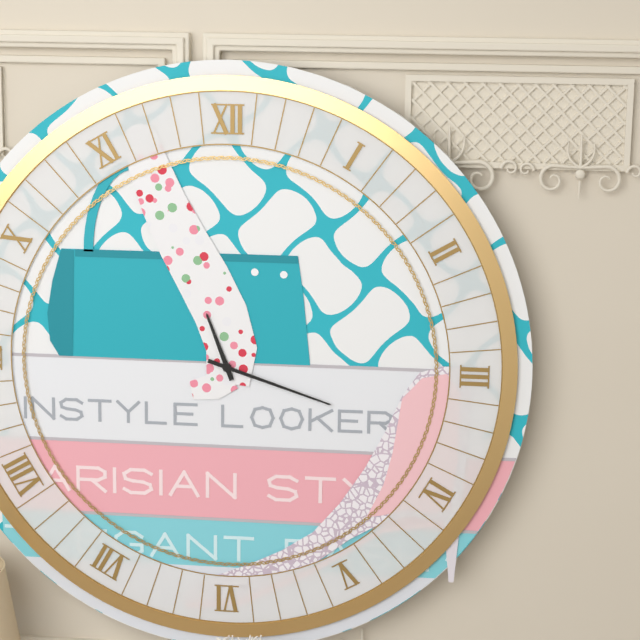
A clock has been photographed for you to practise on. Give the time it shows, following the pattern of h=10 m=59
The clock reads h=11 m=18
